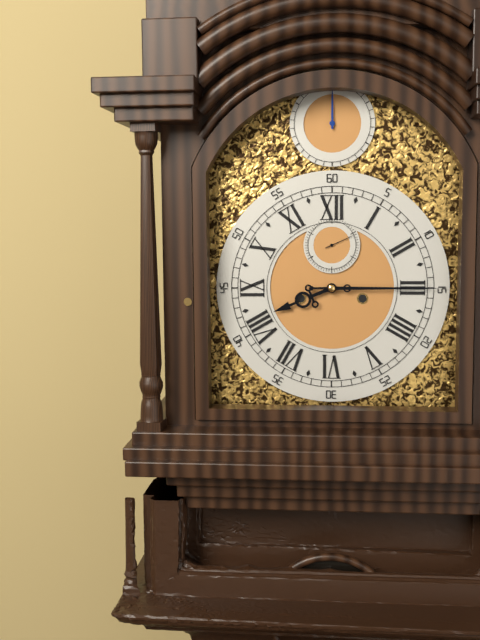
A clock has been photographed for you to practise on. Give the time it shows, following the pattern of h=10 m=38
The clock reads h=8 m=15
